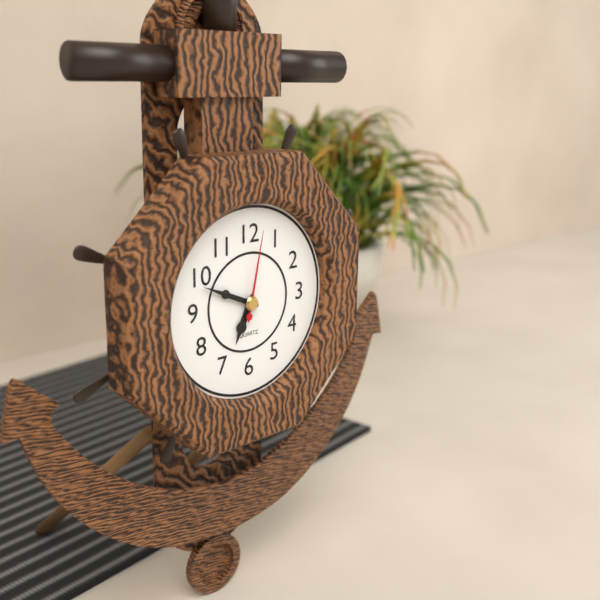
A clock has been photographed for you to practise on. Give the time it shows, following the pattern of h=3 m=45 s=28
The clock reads h=6 m=49 s=2
